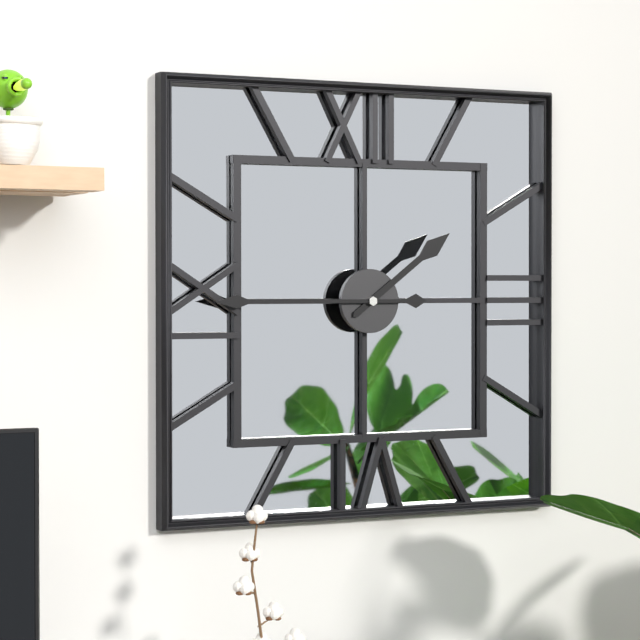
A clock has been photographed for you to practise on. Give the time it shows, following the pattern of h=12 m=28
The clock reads h=1 m=45
